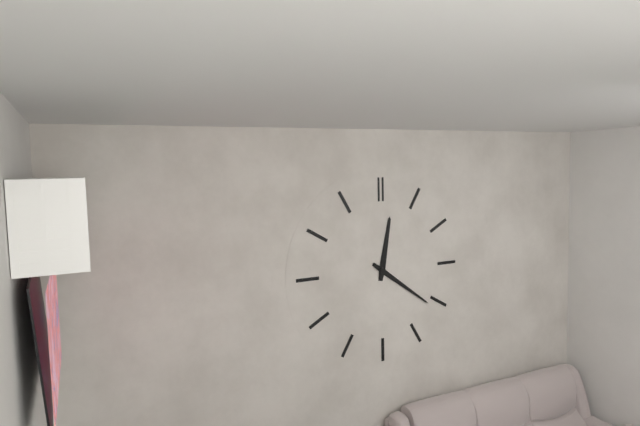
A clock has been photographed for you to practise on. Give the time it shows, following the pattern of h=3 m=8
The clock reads h=12 m=21
